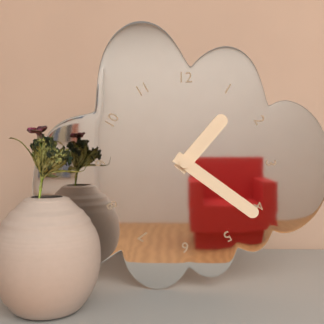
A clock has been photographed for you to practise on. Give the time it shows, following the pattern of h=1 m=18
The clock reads h=1 m=21
